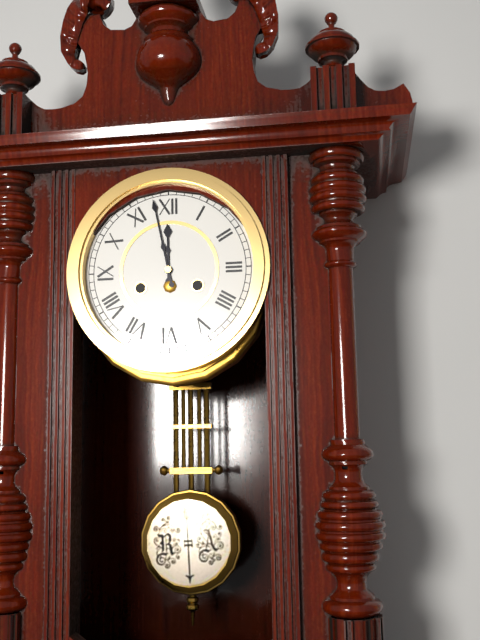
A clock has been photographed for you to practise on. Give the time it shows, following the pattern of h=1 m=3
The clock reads h=11 m=58
